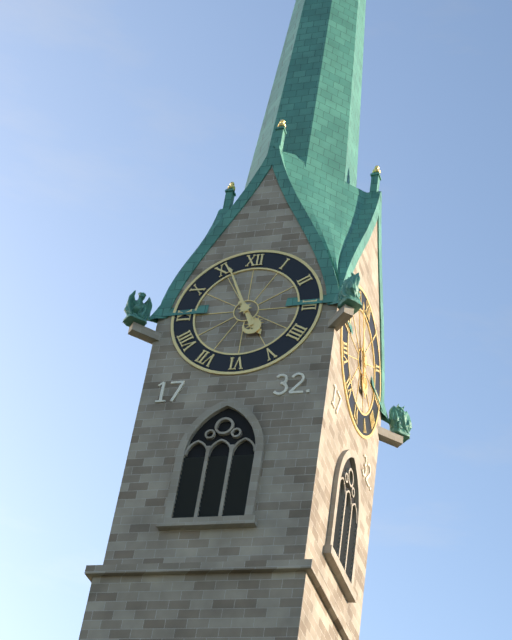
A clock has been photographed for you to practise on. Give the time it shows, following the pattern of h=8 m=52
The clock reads h=4 m=56
